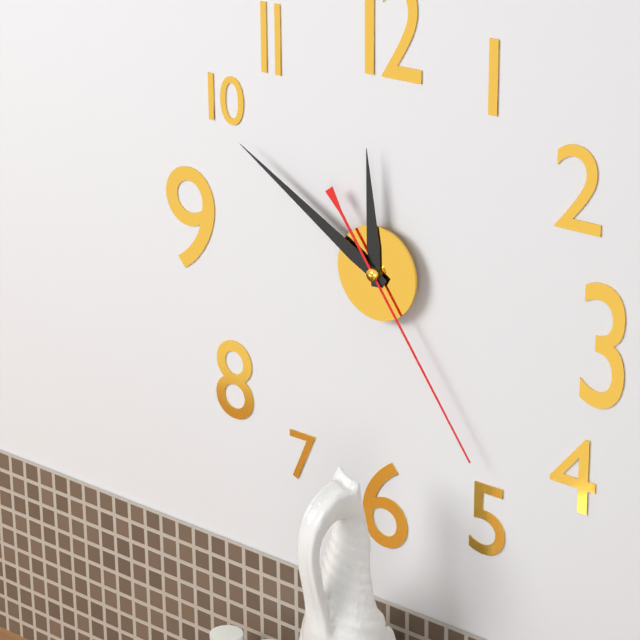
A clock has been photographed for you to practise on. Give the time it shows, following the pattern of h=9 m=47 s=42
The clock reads h=11 m=50 s=24
